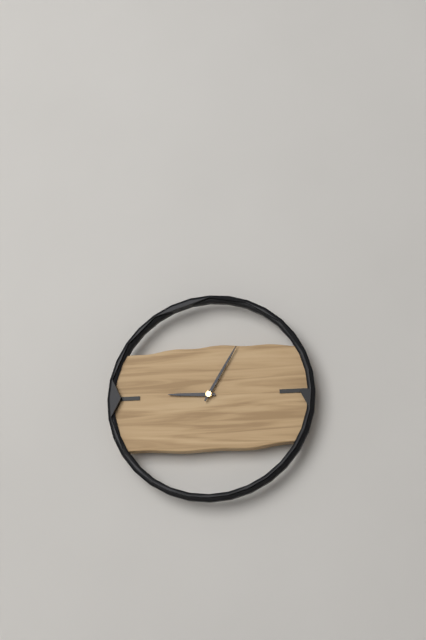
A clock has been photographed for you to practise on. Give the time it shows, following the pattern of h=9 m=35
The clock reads h=9 m=5
